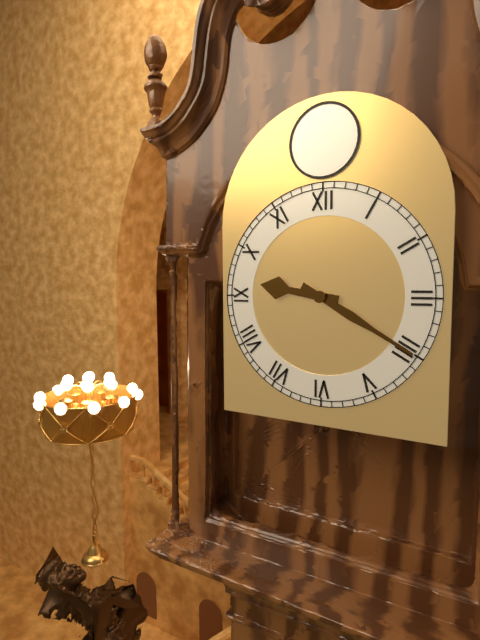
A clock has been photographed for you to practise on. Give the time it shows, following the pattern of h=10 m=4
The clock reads h=9 m=20
